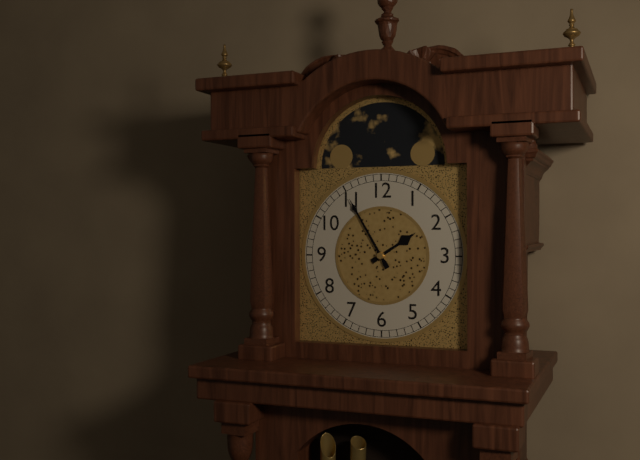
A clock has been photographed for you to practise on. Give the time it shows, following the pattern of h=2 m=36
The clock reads h=1 m=55
